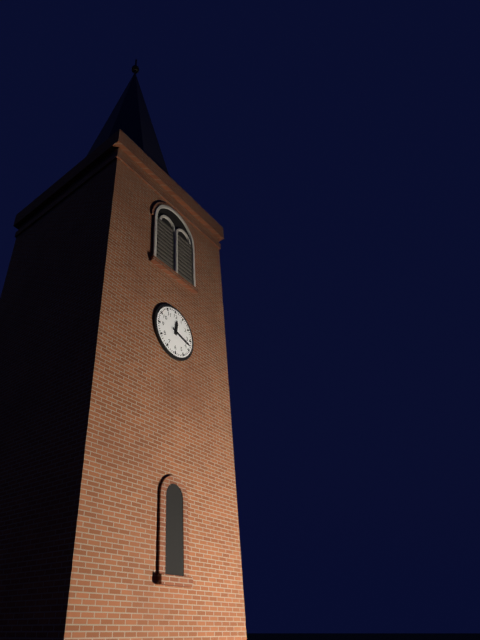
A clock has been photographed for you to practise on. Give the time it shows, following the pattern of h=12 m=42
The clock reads h=12 m=18
